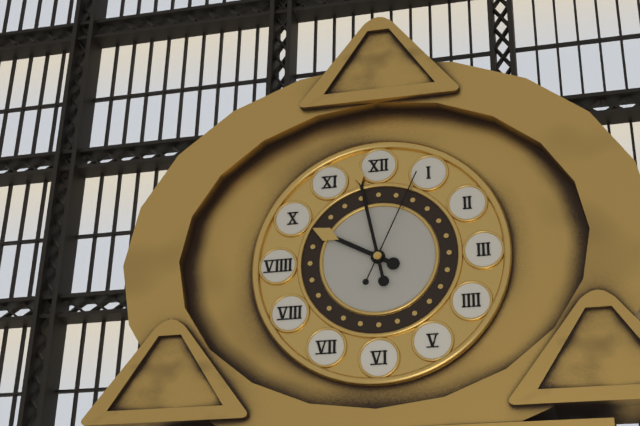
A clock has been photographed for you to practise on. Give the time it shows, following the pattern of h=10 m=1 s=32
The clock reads h=9 m=58 s=4
